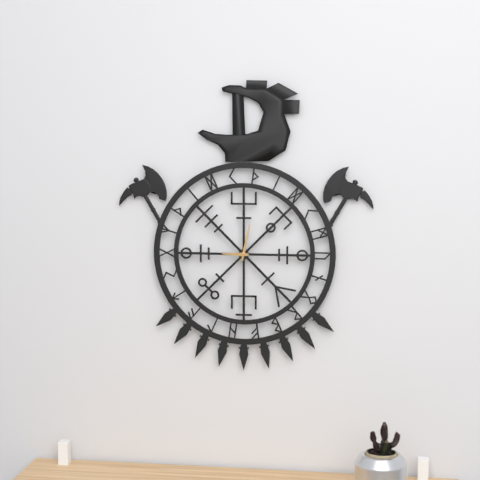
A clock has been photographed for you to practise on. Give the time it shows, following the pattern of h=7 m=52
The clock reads h=9 m=2
